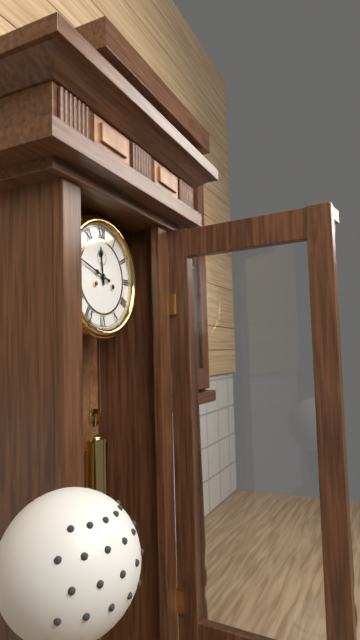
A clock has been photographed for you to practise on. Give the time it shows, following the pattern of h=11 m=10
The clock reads h=11 m=48
